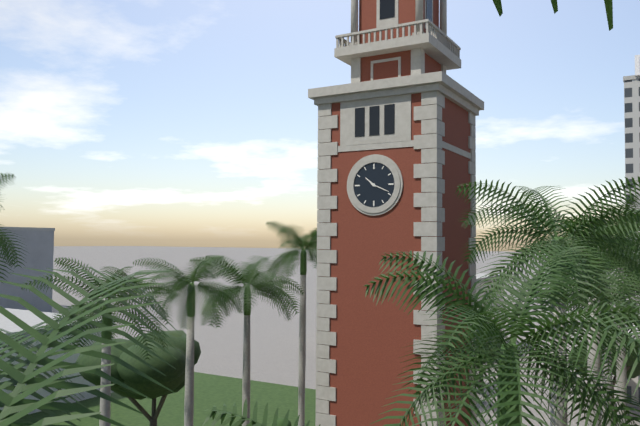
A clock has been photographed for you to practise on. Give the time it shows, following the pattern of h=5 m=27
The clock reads h=10 m=19
